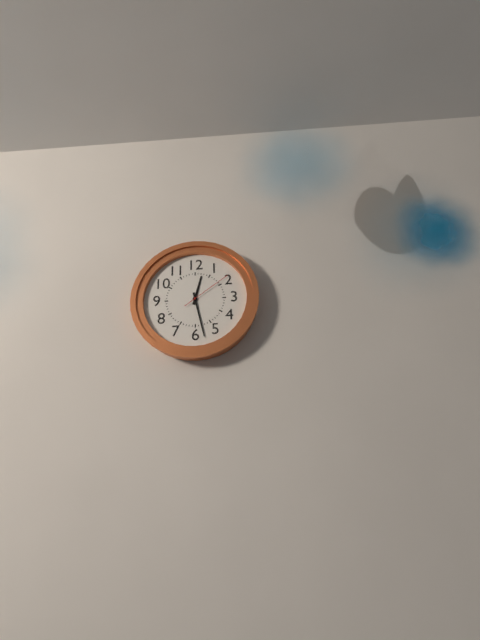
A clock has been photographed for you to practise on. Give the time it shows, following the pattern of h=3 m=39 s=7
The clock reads h=12 m=28 s=9
